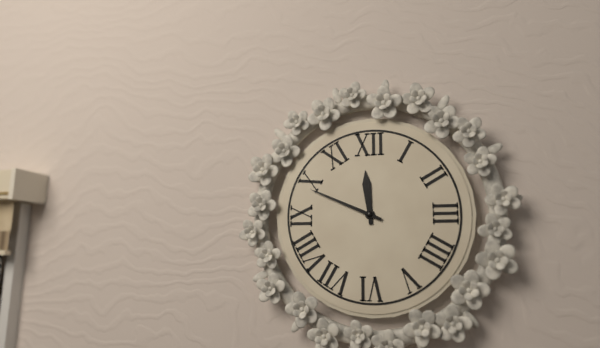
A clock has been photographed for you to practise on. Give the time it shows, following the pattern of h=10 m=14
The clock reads h=11 m=49
